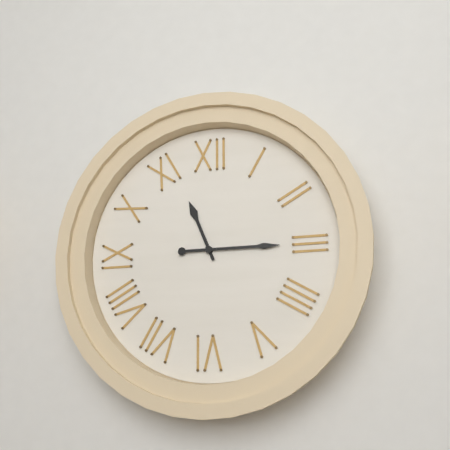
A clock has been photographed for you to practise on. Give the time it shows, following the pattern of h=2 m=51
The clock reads h=11 m=15
